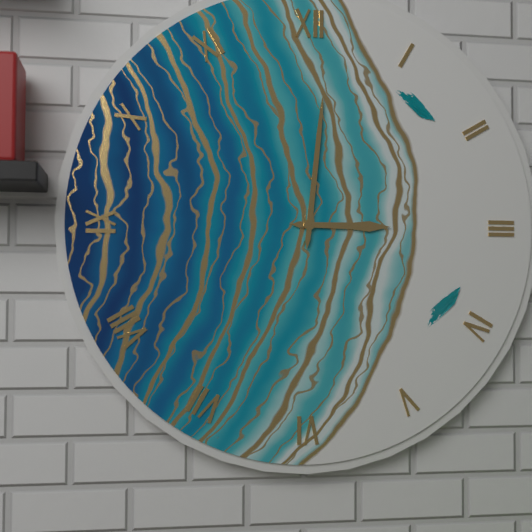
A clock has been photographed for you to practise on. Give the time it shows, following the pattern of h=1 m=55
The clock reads h=3 m=1
